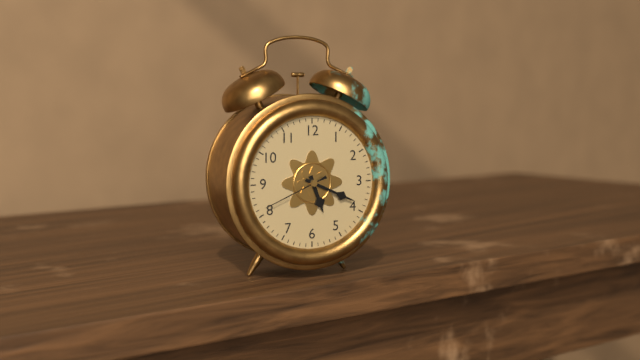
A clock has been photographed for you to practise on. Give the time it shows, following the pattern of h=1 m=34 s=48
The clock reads h=5 m=19 s=41
